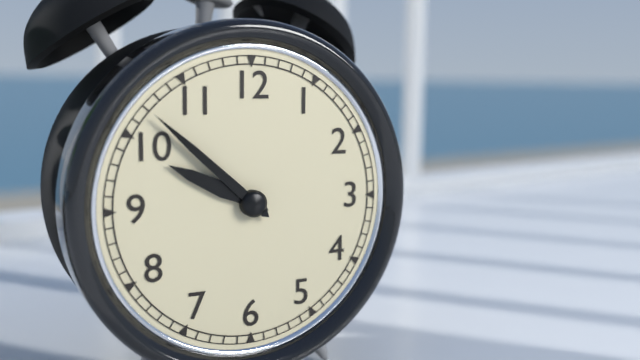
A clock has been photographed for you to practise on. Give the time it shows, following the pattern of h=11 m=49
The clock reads h=9 m=52
